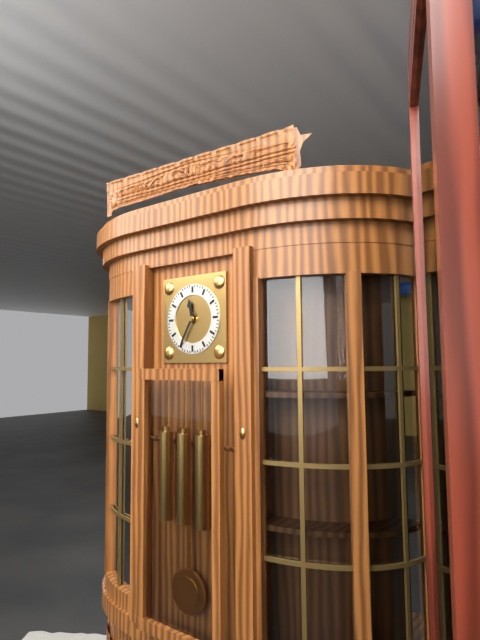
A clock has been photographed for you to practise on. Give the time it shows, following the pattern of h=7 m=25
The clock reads h=11 m=35
